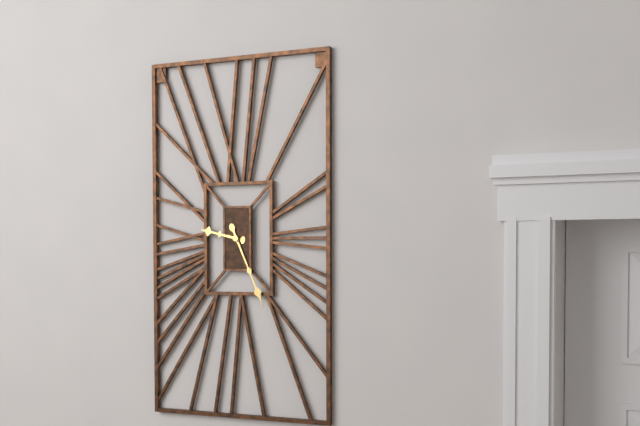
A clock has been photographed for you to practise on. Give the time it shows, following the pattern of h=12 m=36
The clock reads h=9 m=26
